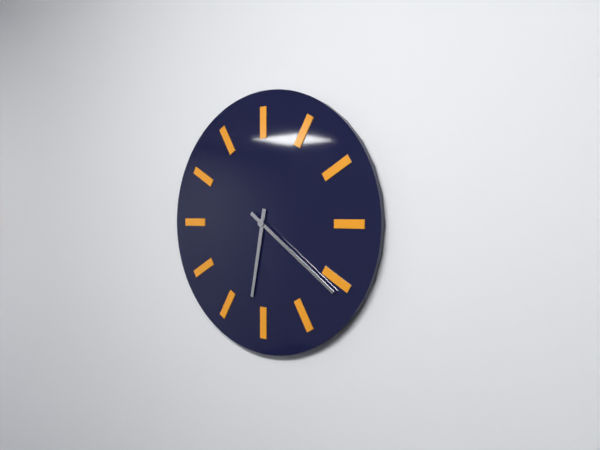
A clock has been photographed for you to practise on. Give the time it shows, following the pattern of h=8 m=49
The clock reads h=6 m=21
